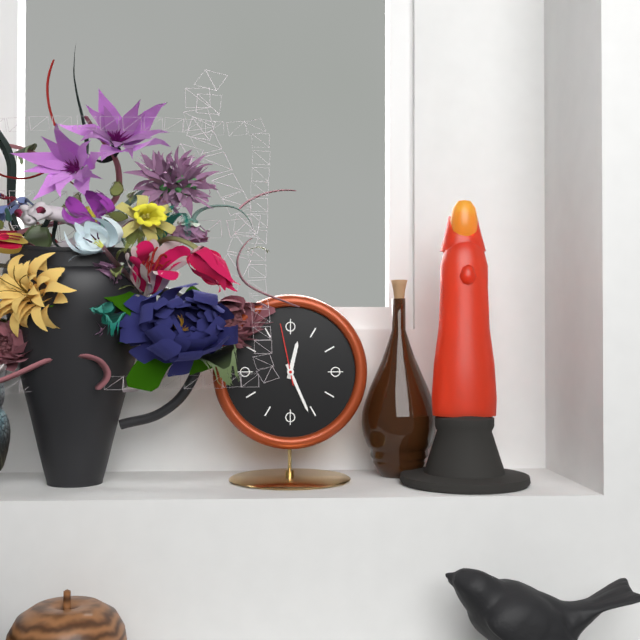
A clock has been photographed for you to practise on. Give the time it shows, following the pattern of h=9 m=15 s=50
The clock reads h=12 m=26 s=58
